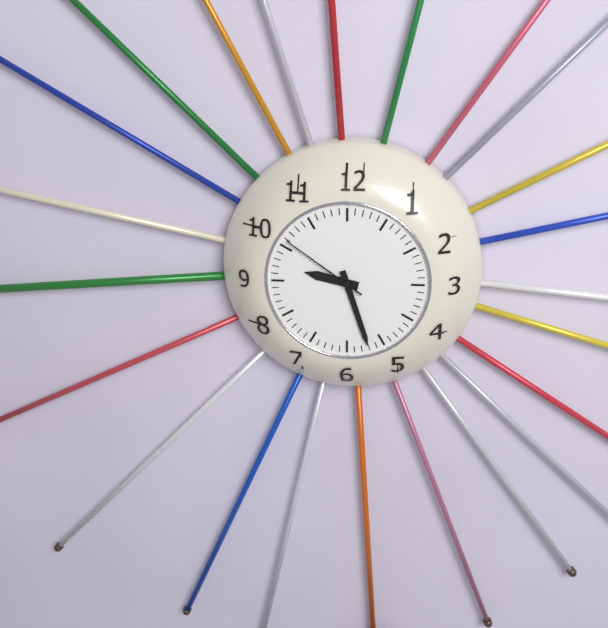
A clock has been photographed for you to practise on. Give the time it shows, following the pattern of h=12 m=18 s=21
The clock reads h=9 m=27 s=51
